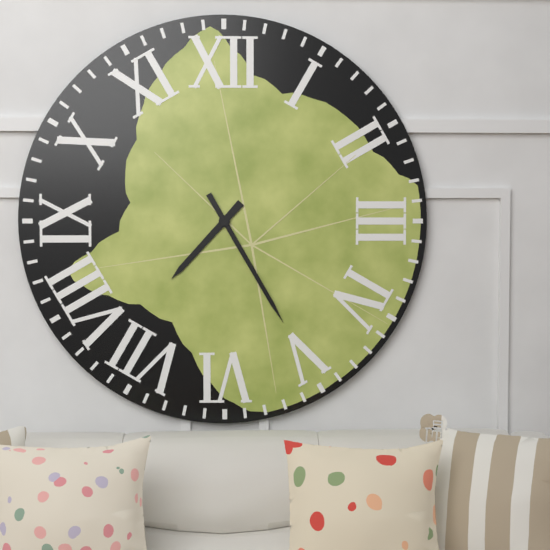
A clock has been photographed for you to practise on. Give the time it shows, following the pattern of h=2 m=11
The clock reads h=7 m=25
